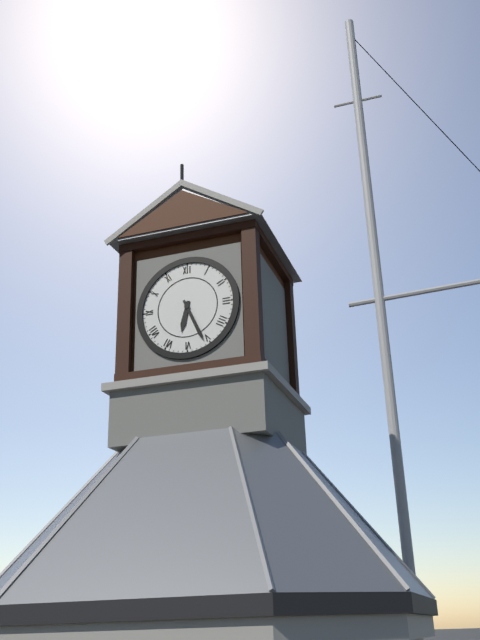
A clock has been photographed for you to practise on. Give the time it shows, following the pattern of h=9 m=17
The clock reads h=6 m=26
